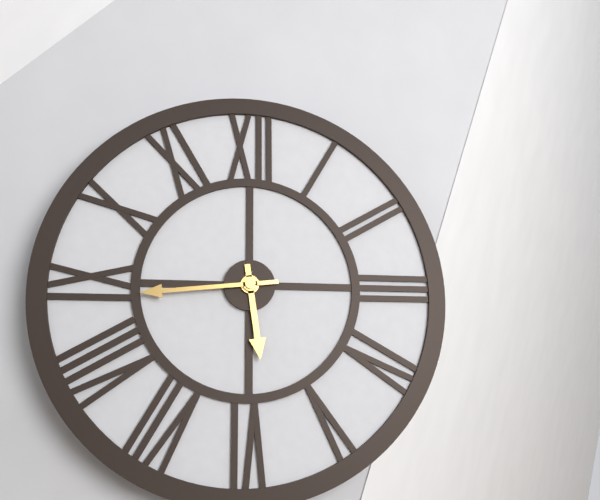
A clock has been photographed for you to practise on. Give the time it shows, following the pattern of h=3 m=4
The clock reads h=5 m=44
